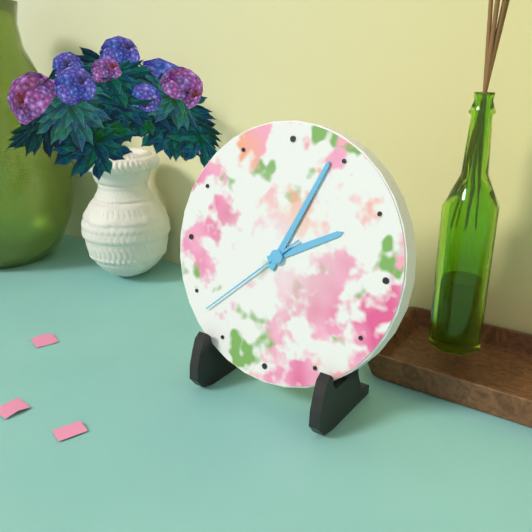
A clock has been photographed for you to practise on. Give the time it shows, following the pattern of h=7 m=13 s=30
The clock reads h=2 m=4 s=38
